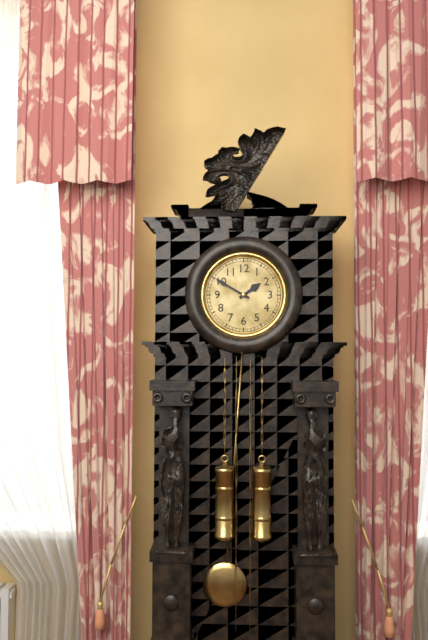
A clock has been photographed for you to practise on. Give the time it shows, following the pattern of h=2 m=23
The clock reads h=1 m=50
